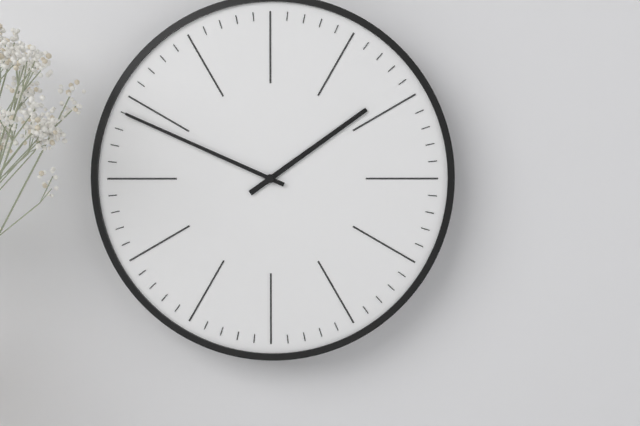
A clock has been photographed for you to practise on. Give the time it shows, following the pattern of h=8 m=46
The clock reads h=1 m=49
